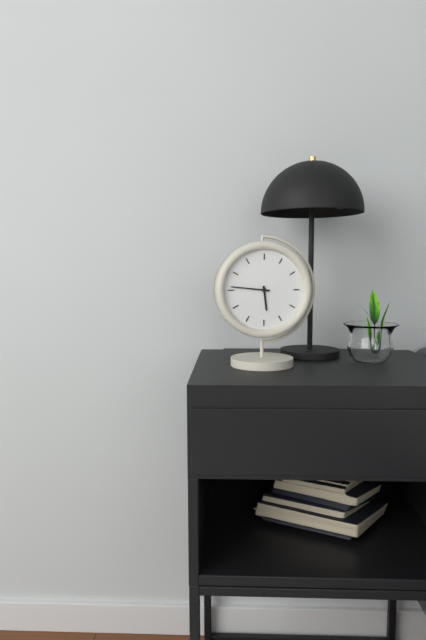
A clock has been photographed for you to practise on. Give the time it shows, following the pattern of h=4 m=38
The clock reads h=5 m=46
